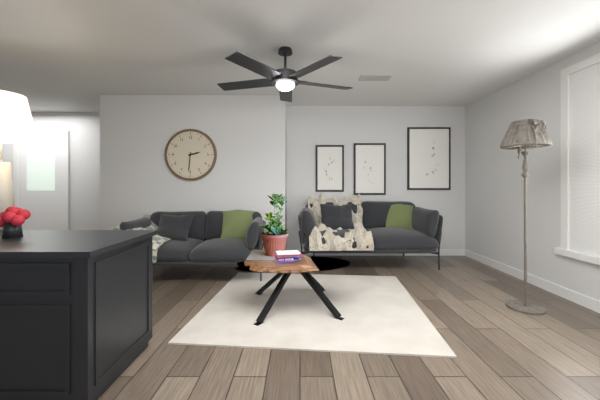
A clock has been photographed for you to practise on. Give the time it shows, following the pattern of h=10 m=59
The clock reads h=2 m=31
